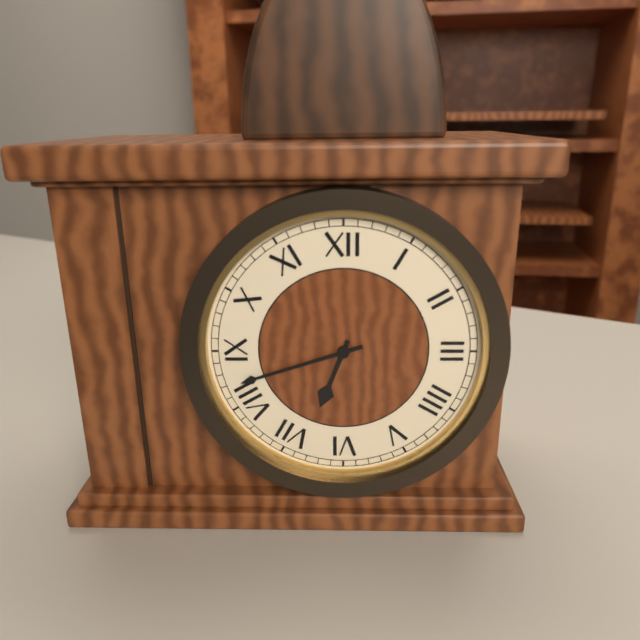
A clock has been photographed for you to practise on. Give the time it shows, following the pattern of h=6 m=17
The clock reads h=6 m=42
